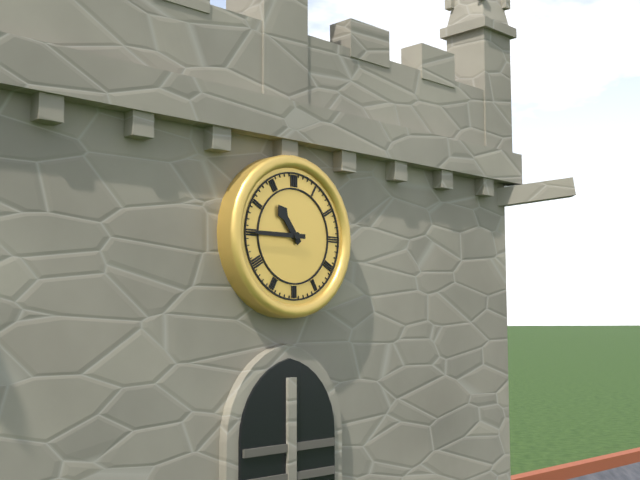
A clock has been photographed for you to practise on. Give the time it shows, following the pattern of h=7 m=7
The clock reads h=10 m=45
